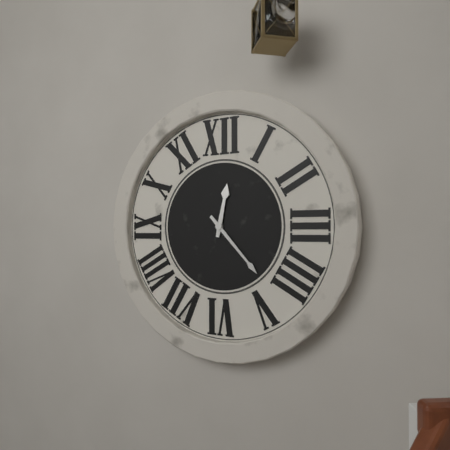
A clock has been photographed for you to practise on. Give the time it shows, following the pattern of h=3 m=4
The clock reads h=12 m=23
